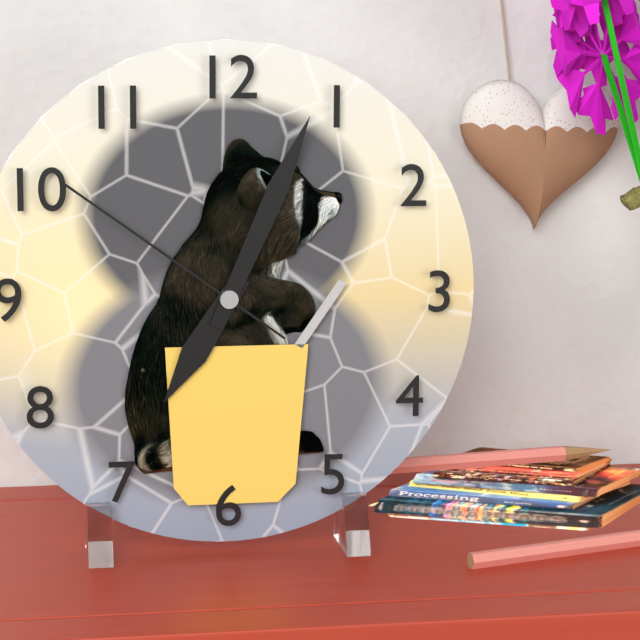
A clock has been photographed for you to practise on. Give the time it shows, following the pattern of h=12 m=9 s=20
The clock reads h=7 m=4 s=51
